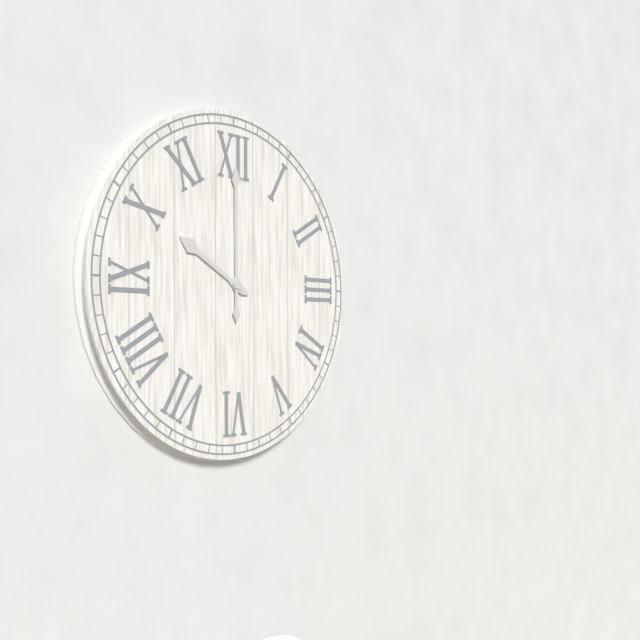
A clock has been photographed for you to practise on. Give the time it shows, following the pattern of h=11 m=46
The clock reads h=10 m=0
